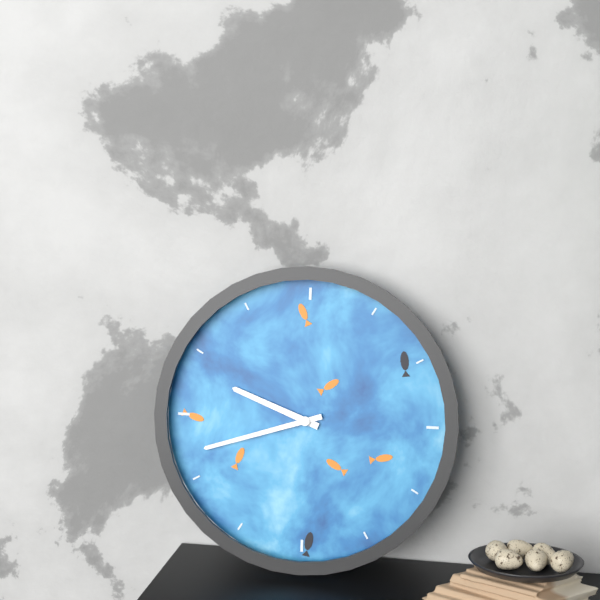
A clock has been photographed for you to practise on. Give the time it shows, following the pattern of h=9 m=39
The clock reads h=9 m=42
